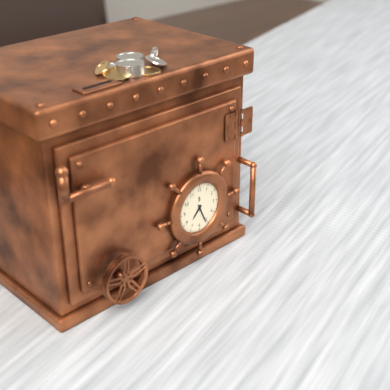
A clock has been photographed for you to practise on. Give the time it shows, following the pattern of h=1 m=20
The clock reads h=7 m=26
